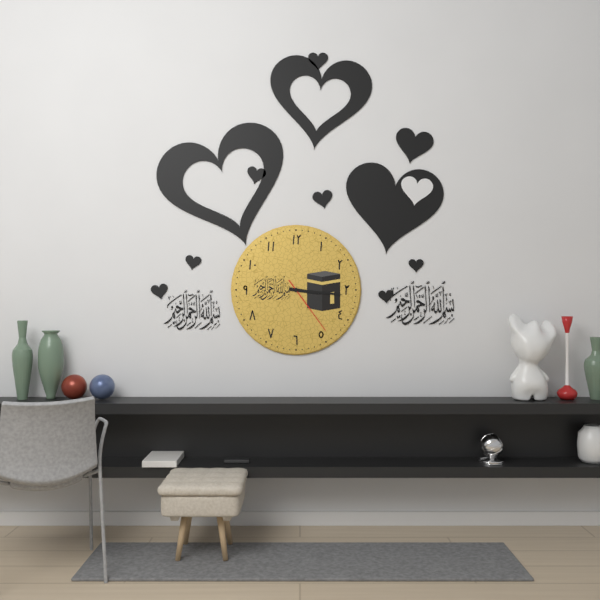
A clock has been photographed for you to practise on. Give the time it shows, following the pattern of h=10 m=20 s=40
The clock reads h=3 m=16 s=24
